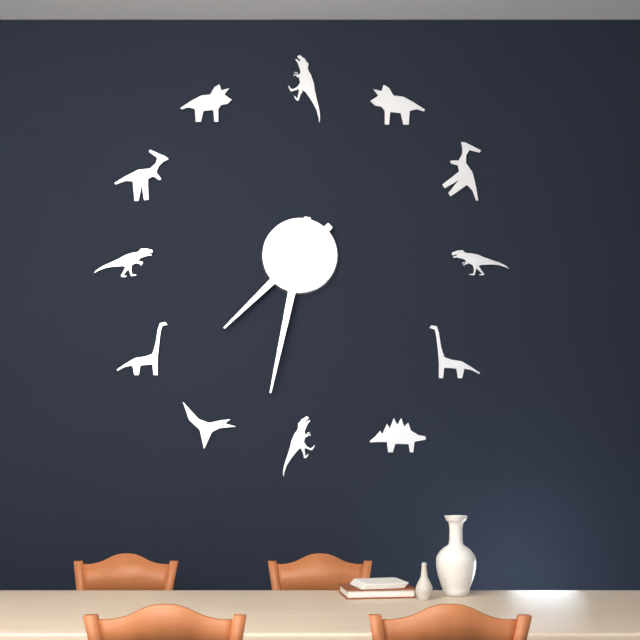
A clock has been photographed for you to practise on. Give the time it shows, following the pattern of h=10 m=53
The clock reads h=7 m=32
